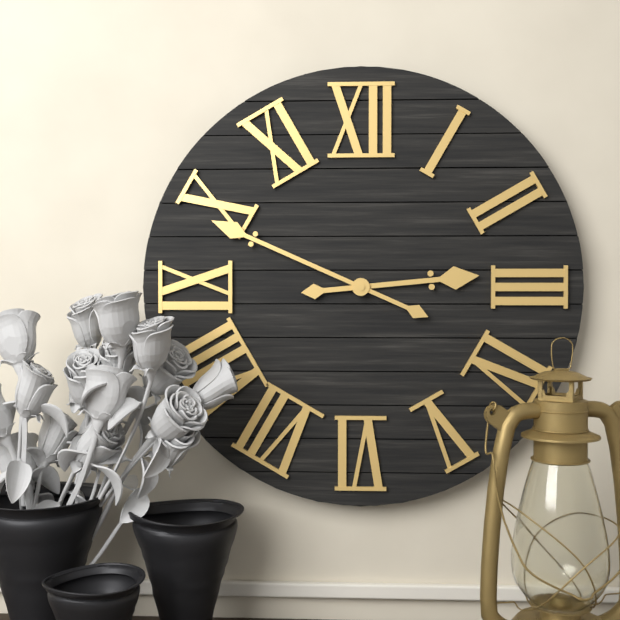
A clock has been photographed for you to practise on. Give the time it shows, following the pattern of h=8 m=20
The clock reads h=2 m=49
